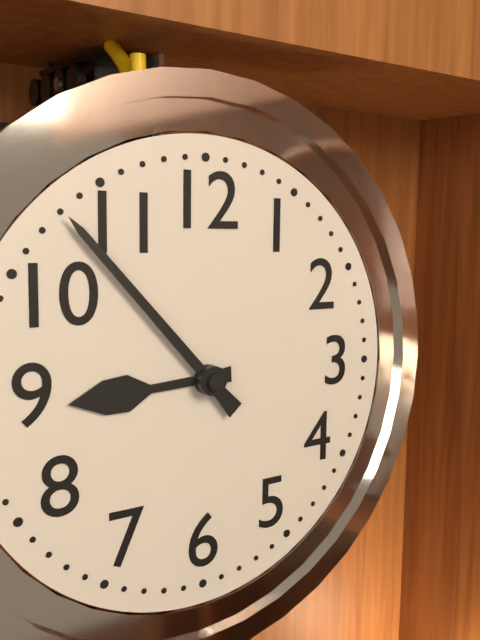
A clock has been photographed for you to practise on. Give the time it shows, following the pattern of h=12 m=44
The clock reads h=8 m=53
